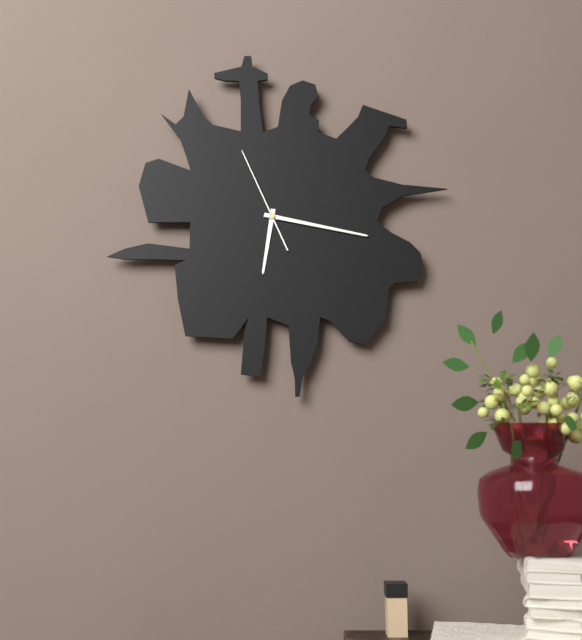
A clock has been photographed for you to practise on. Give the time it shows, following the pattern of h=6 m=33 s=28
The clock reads h=6 m=17 s=56
